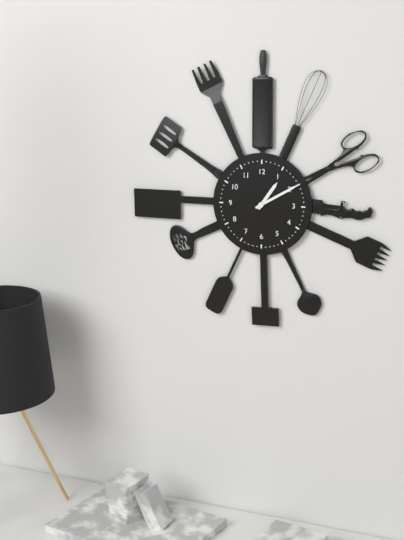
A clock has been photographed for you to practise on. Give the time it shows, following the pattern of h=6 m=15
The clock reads h=1 m=10
